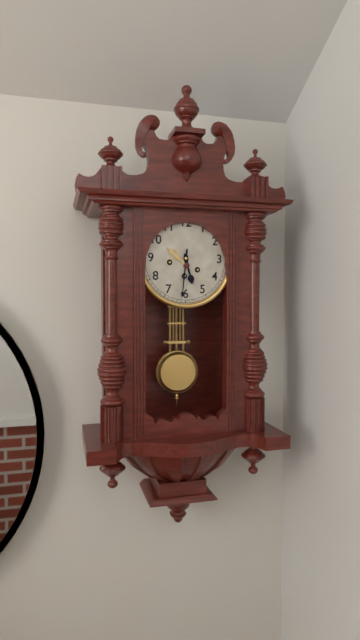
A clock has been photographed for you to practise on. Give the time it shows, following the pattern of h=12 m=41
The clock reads h=5 m=31
